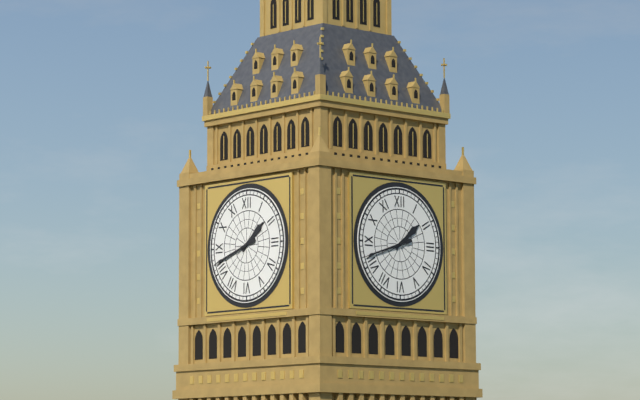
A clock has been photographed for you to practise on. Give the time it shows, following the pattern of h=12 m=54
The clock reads h=1 m=42
